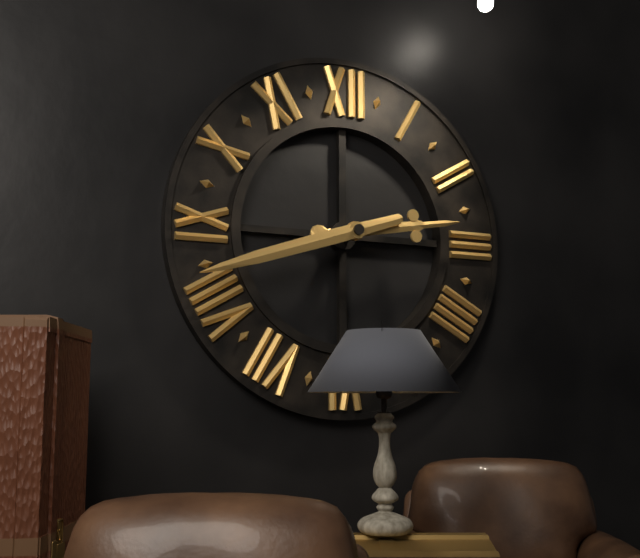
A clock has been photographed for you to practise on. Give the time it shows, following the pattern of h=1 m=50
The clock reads h=2 m=42
